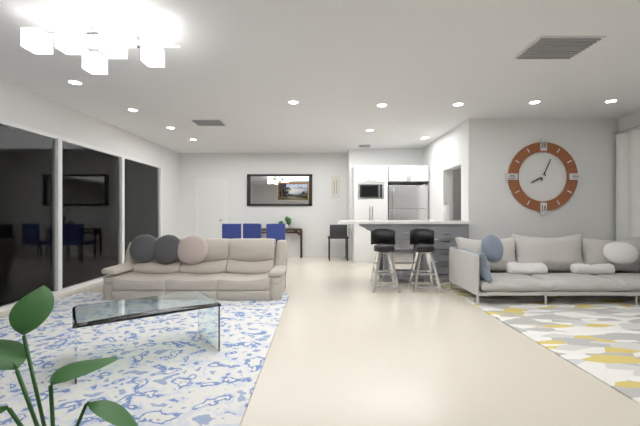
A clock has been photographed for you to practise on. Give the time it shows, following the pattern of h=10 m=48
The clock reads h=8 m=4
